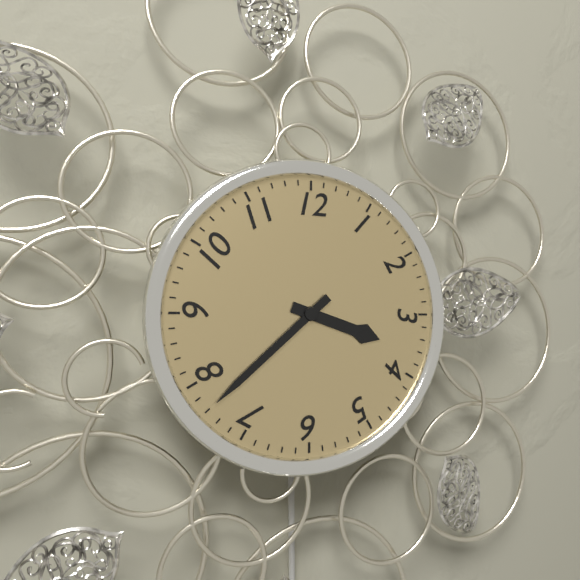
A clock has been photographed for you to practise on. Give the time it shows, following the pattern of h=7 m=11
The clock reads h=3 m=38
